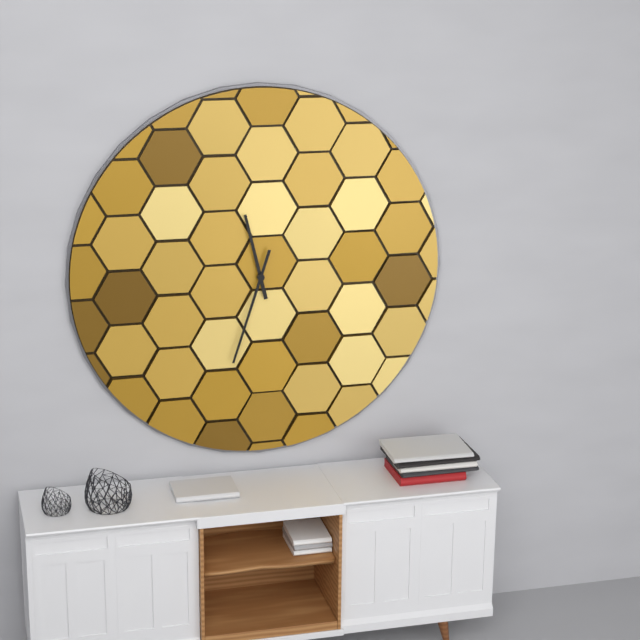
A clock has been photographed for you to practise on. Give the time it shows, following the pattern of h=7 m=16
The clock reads h=11 m=33
